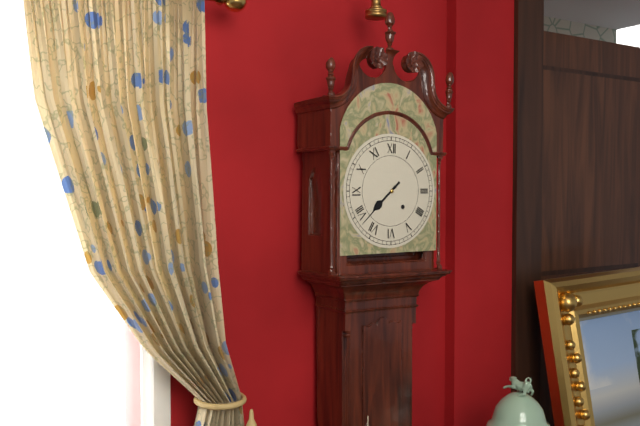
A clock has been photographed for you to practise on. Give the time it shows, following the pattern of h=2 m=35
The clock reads h=7 m=38
